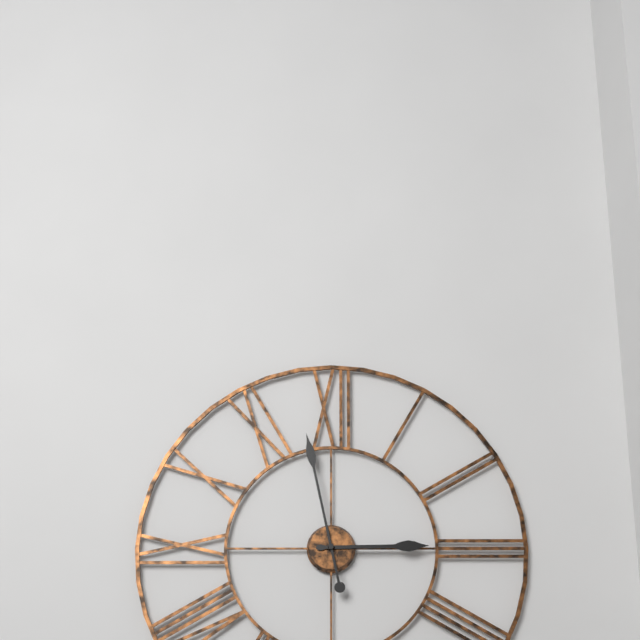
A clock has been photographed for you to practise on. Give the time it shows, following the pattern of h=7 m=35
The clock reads h=2 m=58
